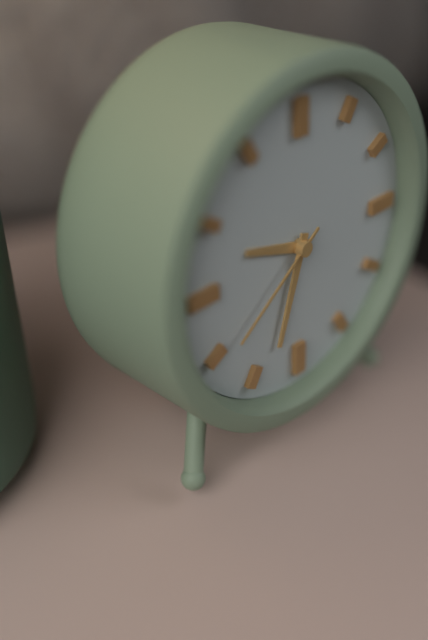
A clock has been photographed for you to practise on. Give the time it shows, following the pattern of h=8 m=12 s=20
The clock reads h=9 m=33 s=39
